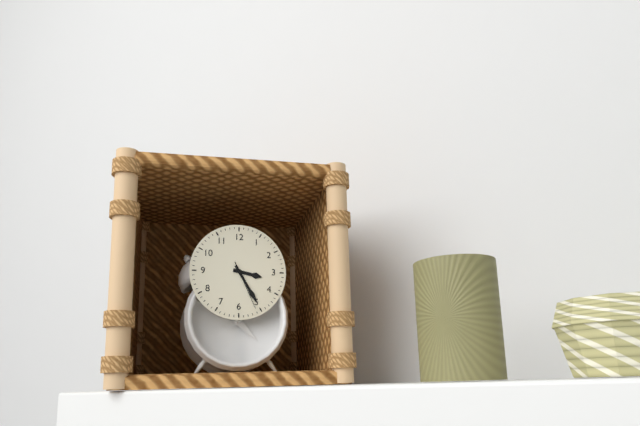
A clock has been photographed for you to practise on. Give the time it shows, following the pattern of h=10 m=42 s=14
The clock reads h=3 m=25 s=26
